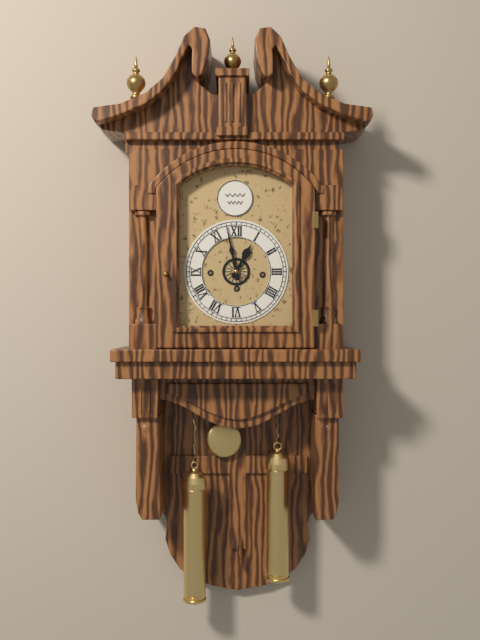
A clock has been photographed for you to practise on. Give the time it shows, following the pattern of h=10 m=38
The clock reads h=12 m=58
